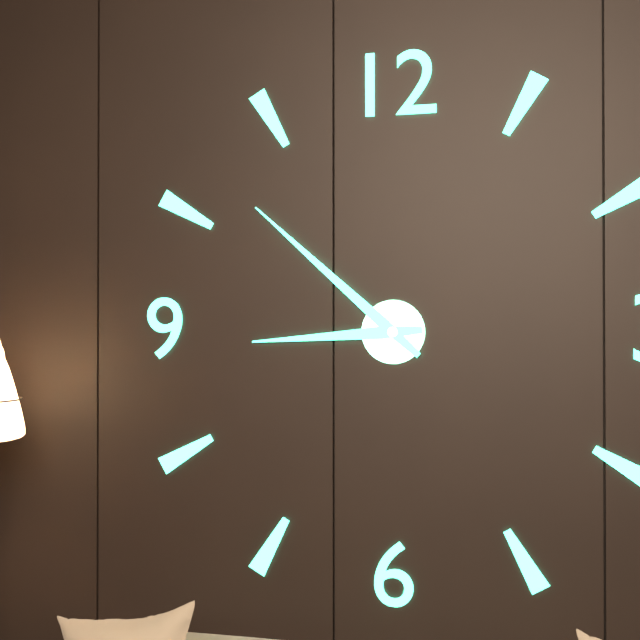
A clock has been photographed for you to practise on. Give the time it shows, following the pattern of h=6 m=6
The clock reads h=8 m=52
